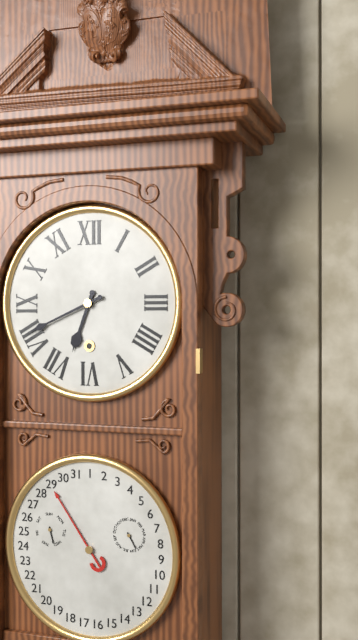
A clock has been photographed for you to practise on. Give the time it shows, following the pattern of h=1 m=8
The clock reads h=6 m=41
